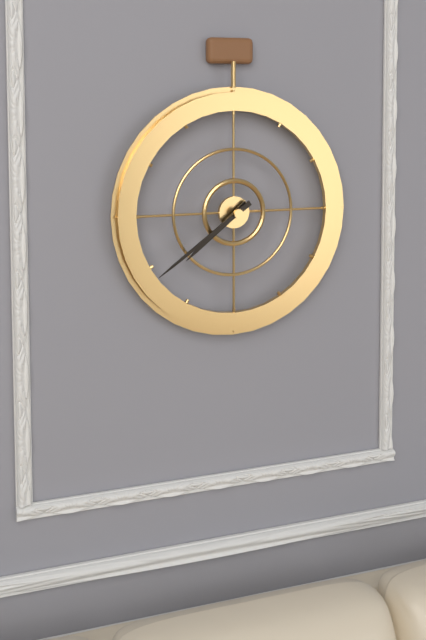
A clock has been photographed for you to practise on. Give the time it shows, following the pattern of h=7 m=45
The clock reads h=7 m=39
